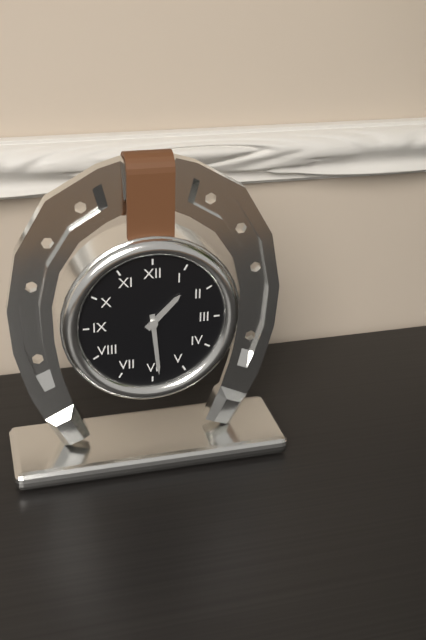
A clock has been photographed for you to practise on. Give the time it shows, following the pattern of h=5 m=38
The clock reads h=1 m=29
